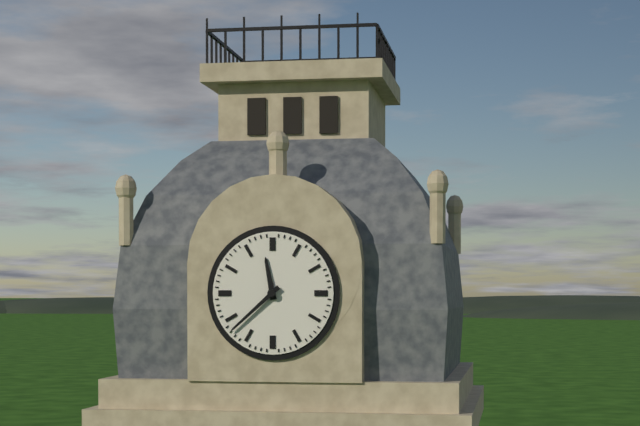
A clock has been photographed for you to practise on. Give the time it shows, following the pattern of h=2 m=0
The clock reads h=11 m=38
